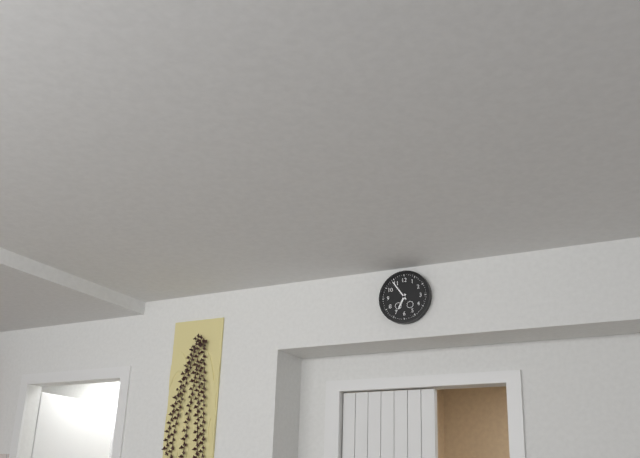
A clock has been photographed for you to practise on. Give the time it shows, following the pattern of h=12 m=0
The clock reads h=6 m=54
